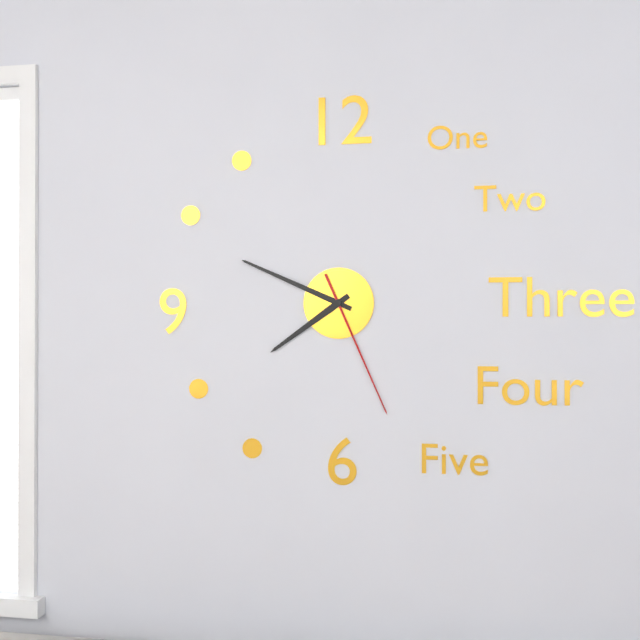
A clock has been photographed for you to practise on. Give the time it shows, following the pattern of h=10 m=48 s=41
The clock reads h=7 m=49 s=26
